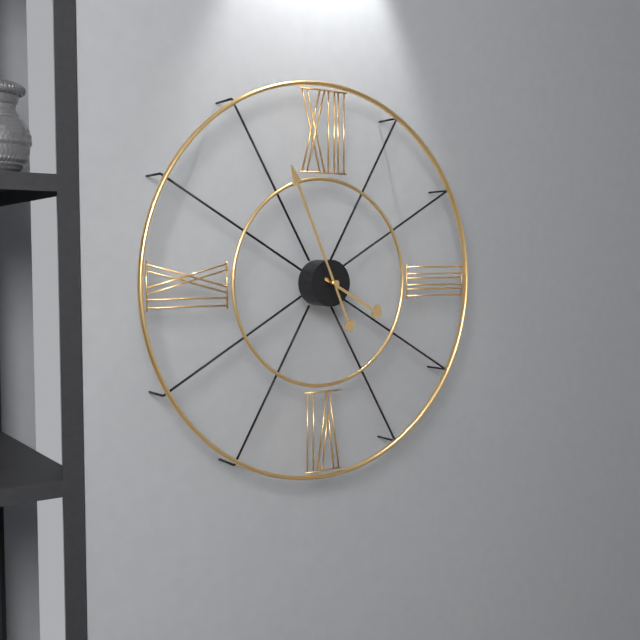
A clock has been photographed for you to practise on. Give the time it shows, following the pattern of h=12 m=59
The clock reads h=3 m=56
